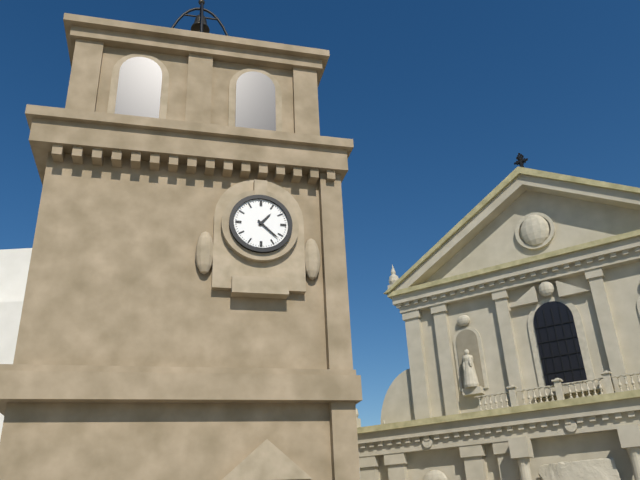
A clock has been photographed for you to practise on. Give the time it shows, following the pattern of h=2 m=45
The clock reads h=1 m=22
